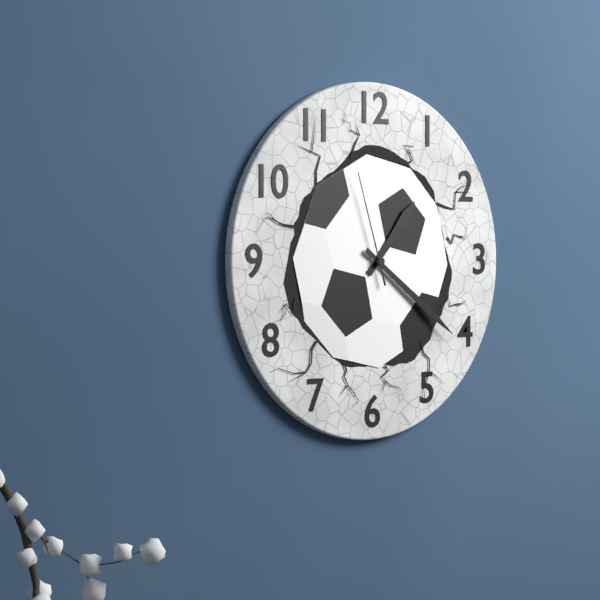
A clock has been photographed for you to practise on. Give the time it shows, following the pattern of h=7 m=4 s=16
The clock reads h=1 m=21 s=57
